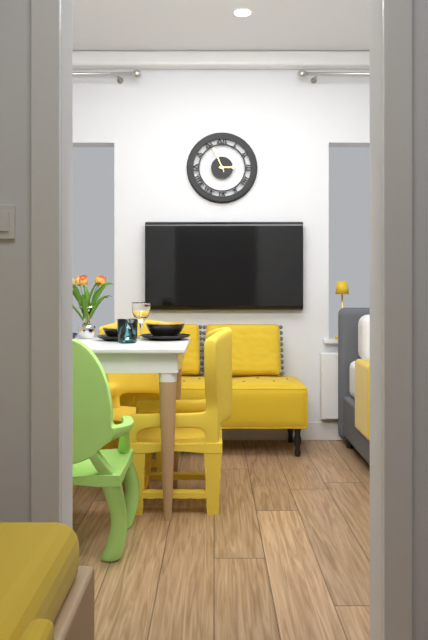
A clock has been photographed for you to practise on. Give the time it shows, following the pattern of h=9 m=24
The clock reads h=2 m=56
